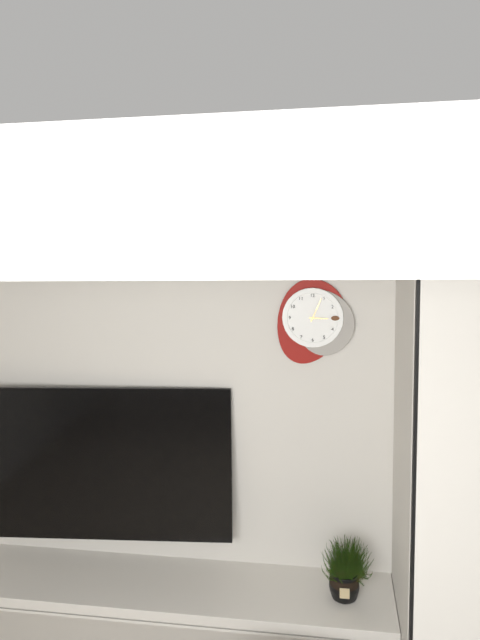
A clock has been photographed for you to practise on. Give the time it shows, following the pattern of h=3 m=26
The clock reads h=3 m=4
